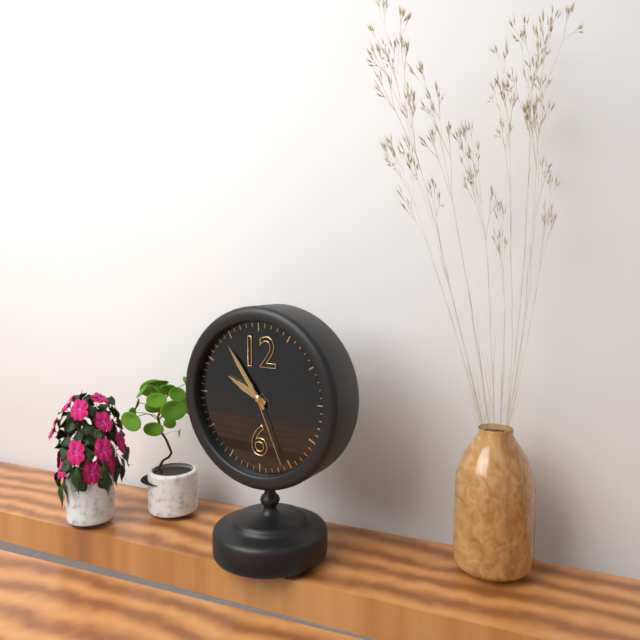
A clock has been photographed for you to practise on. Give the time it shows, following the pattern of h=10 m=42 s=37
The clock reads h=9 m=54 s=26
